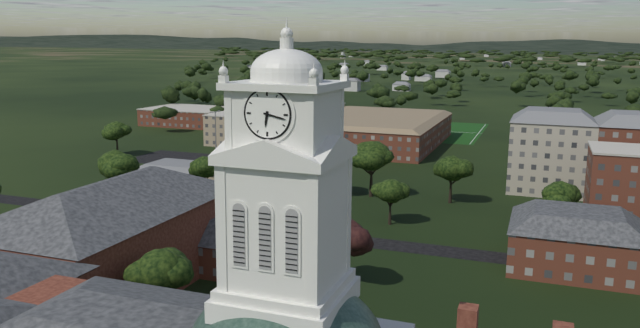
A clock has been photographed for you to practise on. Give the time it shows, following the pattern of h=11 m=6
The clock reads h=6 m=17
